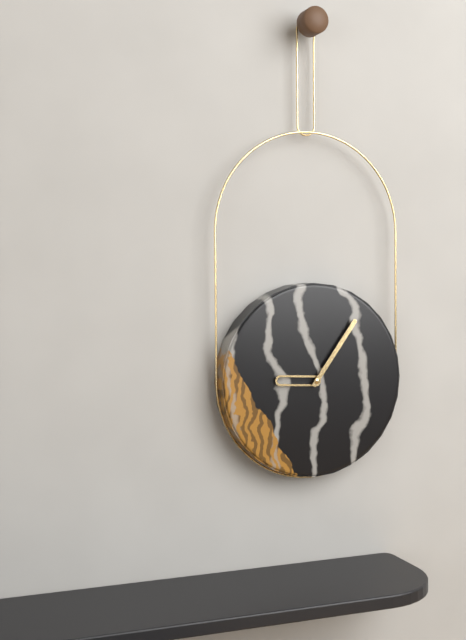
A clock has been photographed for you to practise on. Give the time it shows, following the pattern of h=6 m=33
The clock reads h=9 m=6
